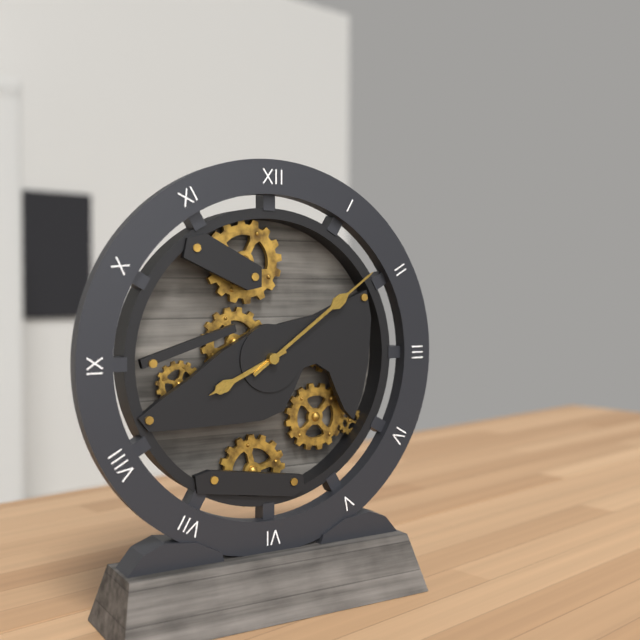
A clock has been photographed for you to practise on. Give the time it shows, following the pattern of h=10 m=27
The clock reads h=8 m=9
